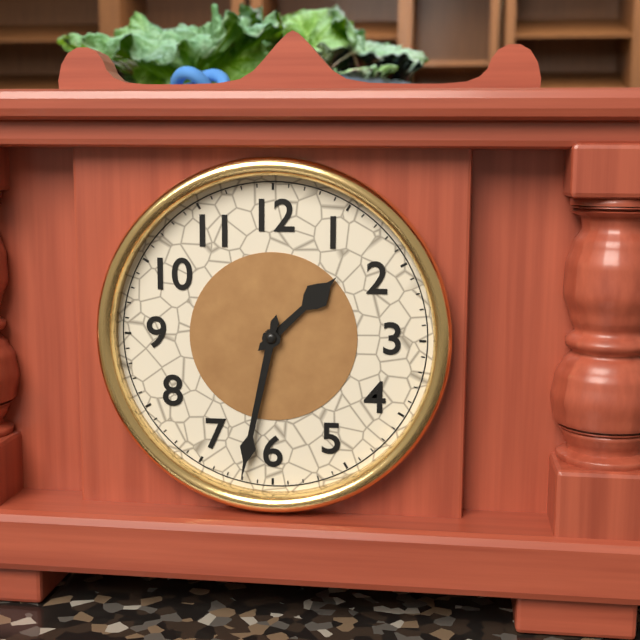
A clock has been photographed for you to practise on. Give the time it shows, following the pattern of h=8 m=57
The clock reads h=1 m=32
